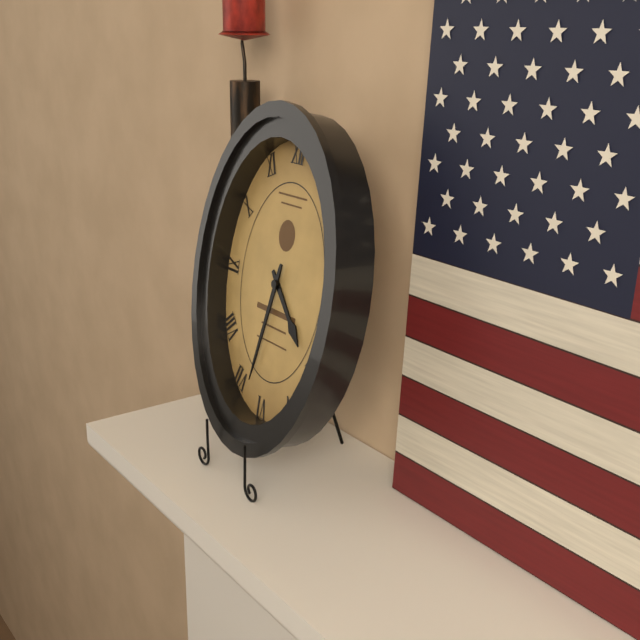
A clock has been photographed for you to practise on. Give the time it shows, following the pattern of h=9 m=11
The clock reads h=4 m=32
